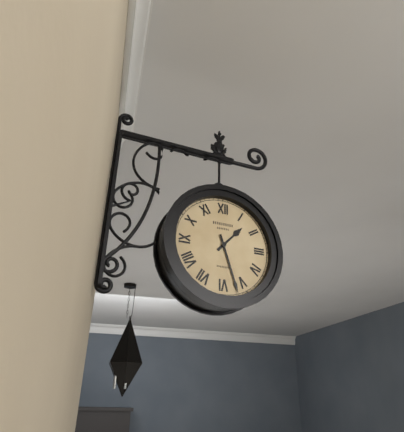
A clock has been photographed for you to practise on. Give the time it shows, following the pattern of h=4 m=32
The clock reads h=1 m=27
